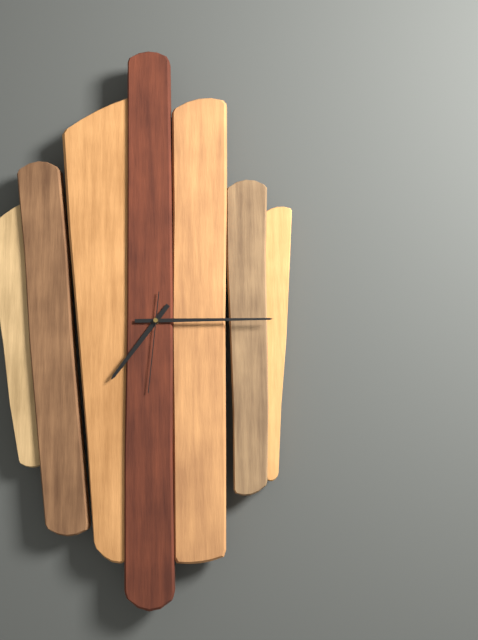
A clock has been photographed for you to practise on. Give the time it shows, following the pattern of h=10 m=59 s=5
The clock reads h=7 m=15 s=31
